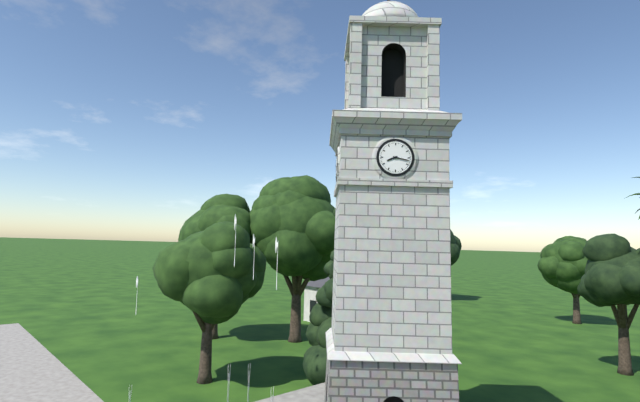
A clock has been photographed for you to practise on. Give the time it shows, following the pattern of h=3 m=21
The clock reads h=8 m=17
